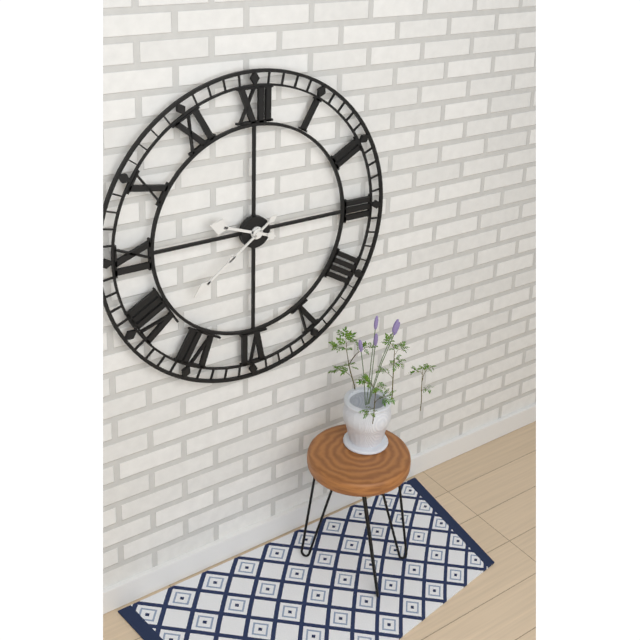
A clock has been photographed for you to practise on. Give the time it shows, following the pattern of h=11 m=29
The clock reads h=9 m=39
